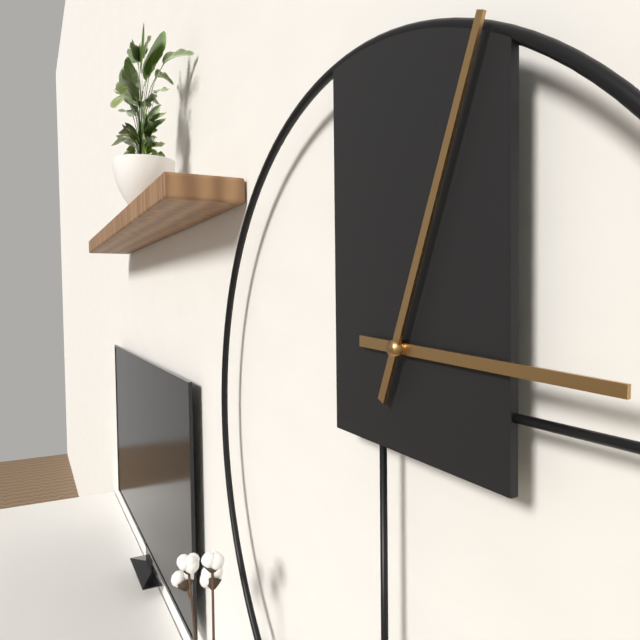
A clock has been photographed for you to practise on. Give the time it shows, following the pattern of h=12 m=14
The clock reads h=3 m=4
